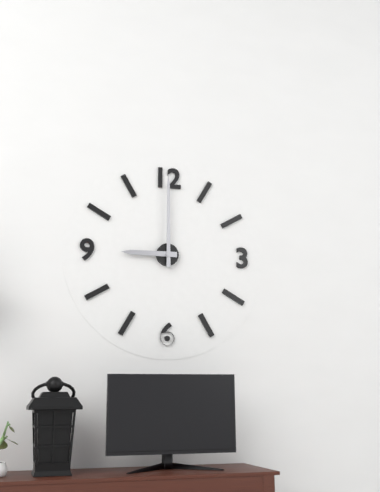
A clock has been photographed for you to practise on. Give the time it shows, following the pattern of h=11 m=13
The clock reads h=9 m=0
